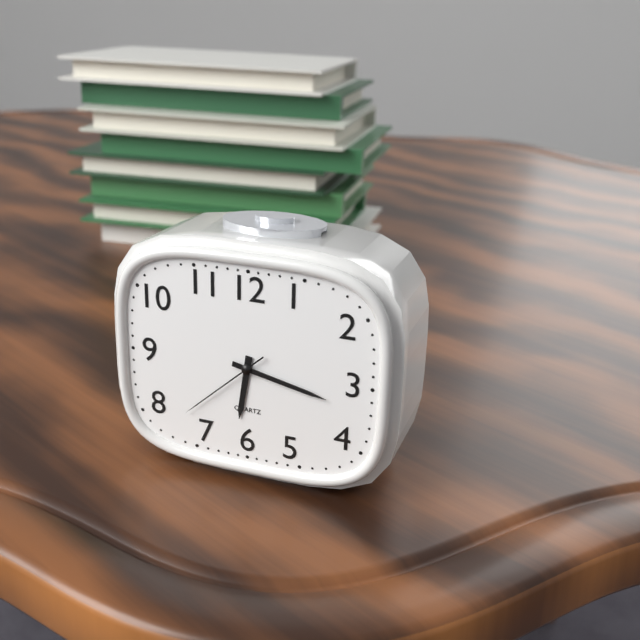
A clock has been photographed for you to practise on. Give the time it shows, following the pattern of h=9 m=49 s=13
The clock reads h=6 m=17 s=38
